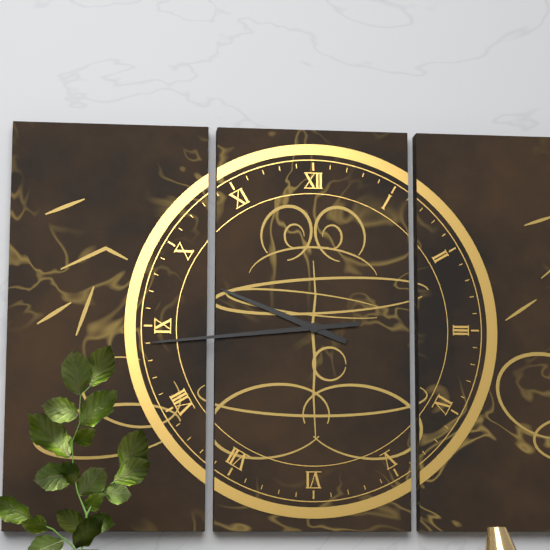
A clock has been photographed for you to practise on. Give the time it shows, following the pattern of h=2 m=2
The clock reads h=9 m=44
